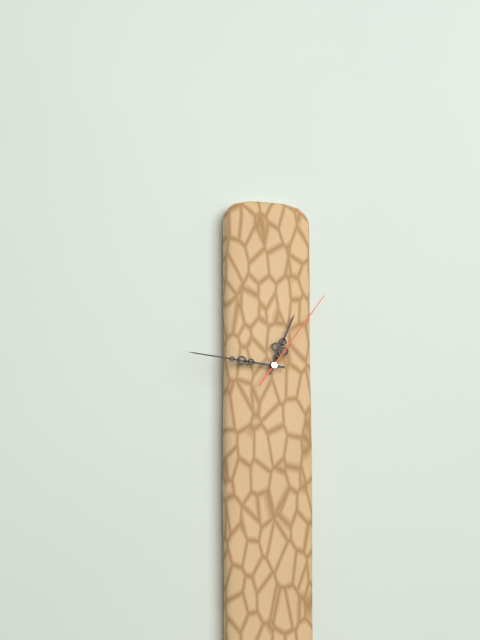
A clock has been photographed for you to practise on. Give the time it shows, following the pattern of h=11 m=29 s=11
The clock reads h=12 m=46 s=6
